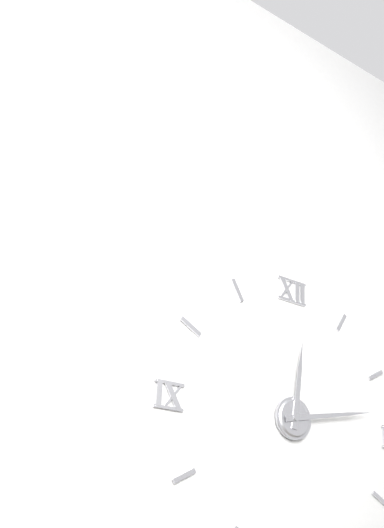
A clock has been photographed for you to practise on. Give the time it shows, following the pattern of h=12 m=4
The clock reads h=12 m=13
